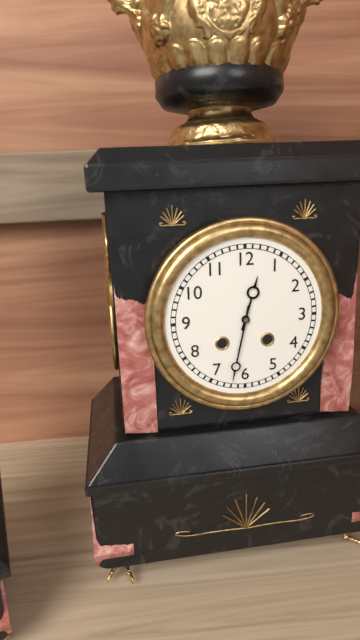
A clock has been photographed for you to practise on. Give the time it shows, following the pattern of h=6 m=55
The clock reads h=12 m=32
